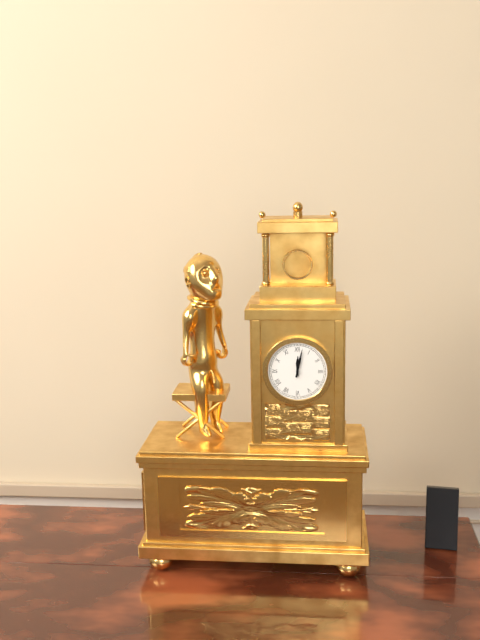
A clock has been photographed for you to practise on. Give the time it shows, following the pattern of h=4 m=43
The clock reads h=12 m=2
